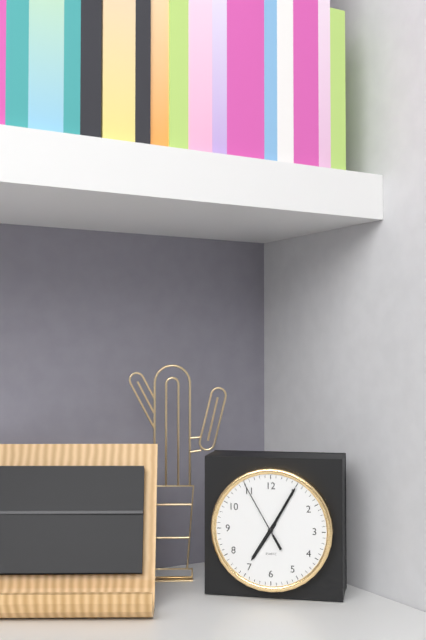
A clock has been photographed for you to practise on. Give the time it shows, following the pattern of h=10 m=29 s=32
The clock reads h=7 m=5 s=55
